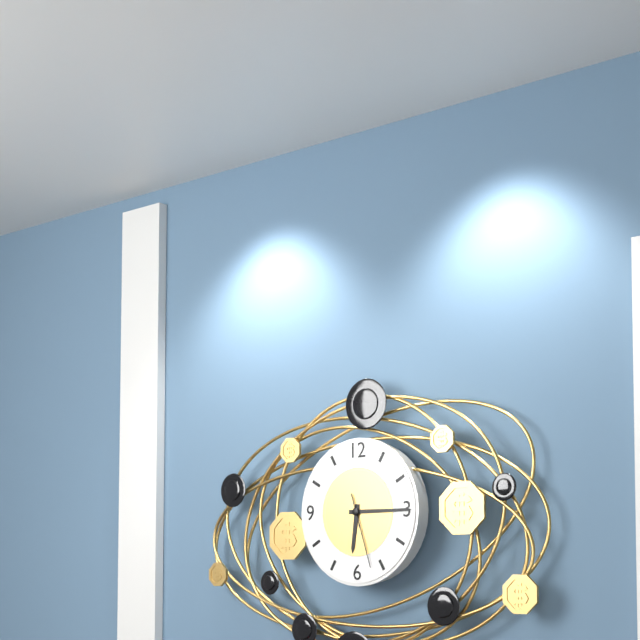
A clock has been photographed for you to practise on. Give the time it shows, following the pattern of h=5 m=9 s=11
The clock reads h=6 m=15 s=27
